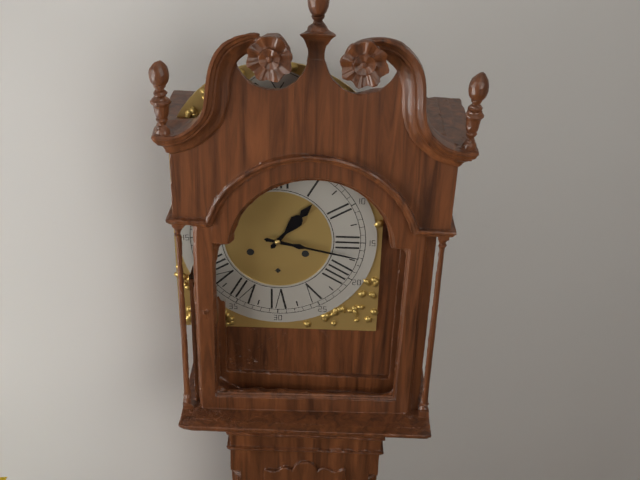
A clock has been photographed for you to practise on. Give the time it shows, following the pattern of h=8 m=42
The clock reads h=1 m=17
